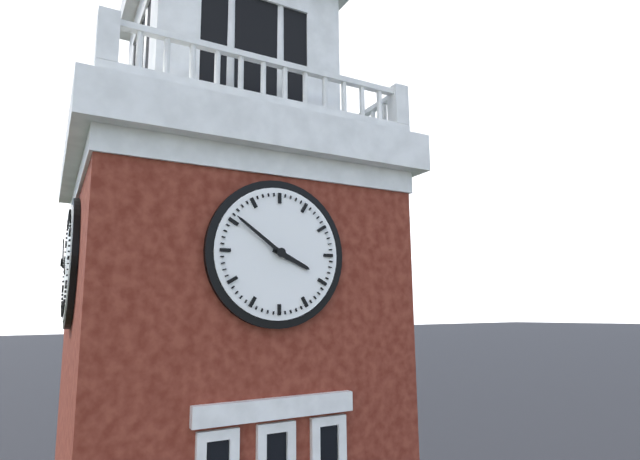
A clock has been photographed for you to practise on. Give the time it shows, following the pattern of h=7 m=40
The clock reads h=3 m=51
